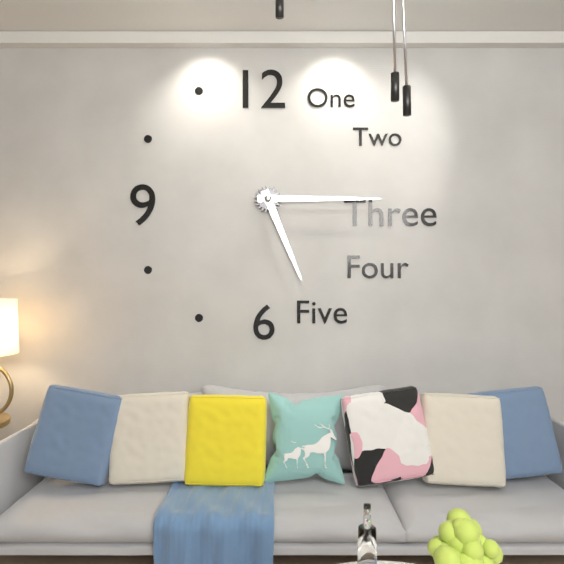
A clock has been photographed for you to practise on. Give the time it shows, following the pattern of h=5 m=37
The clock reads h=5 m=15
